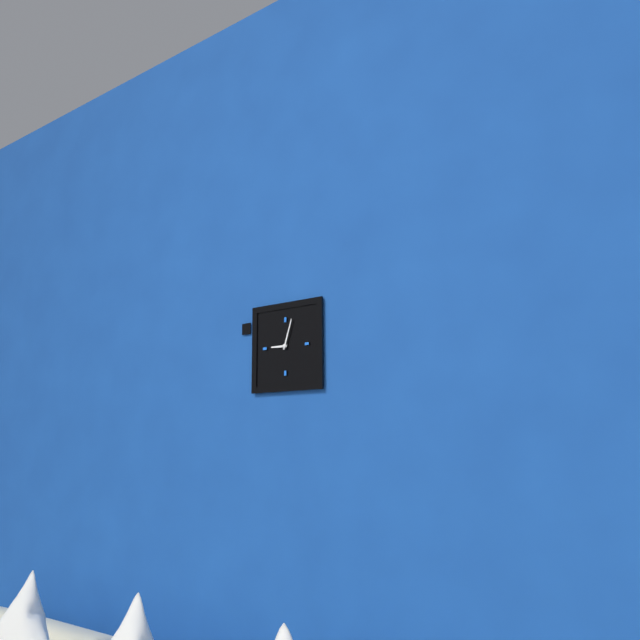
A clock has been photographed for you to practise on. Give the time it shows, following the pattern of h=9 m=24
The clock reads h=9 m=3
